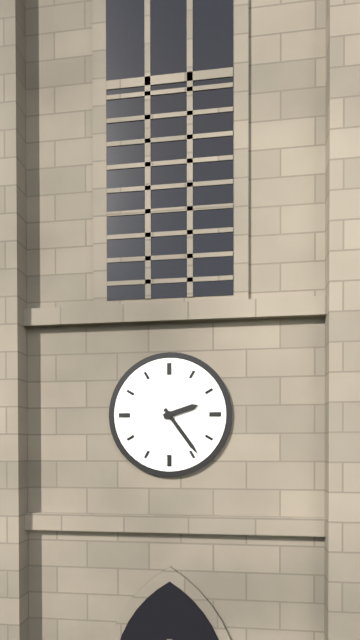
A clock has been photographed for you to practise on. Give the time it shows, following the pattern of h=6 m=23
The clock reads h=2 m=24
